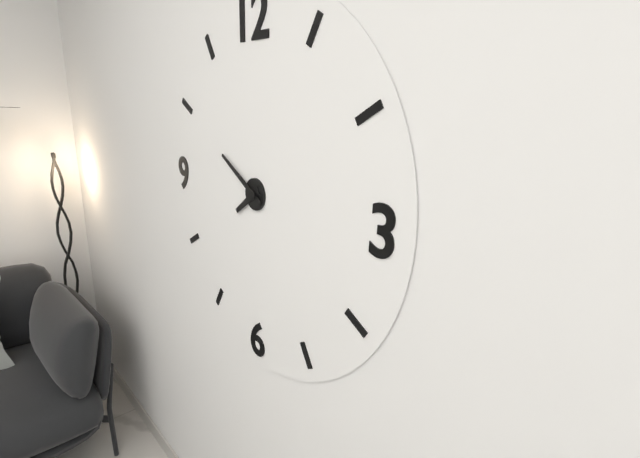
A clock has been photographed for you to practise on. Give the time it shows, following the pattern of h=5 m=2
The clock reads h=7 m=50
